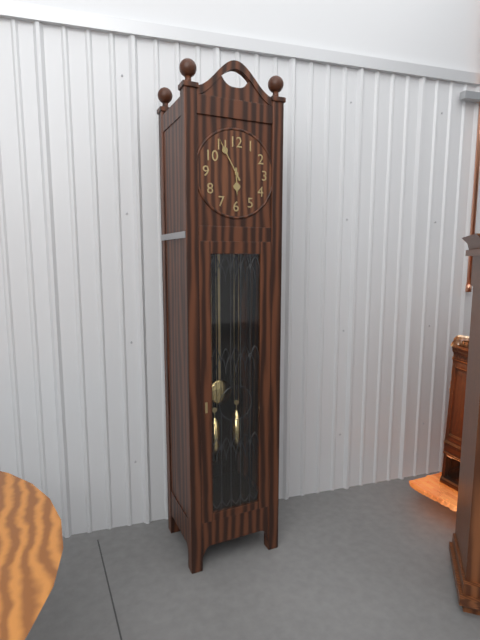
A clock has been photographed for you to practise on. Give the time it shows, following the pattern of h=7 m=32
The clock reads h=5 m=55
